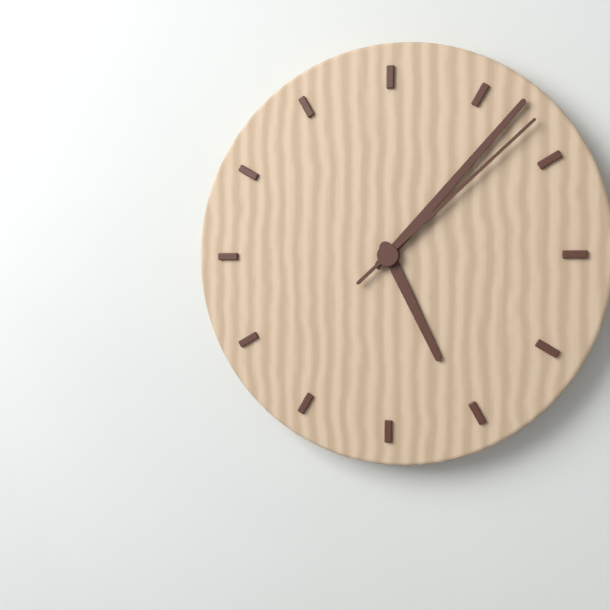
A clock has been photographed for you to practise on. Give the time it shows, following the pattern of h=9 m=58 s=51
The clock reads h=5 m=7 s=8
